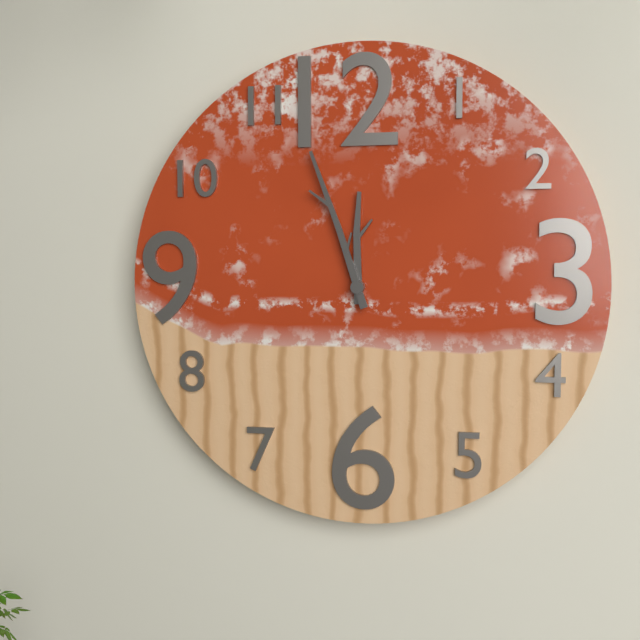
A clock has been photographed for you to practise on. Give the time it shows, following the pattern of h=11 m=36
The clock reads h=11 m=57
